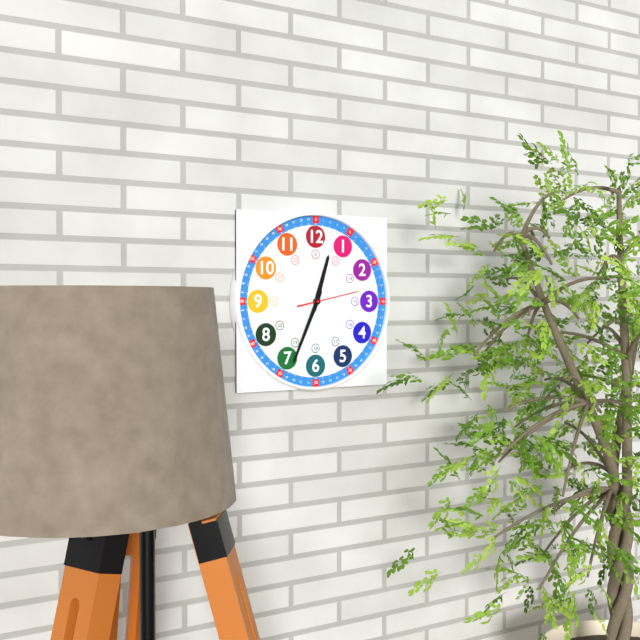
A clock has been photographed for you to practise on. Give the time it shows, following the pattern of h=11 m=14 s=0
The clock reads h=12 m=34 s=13
